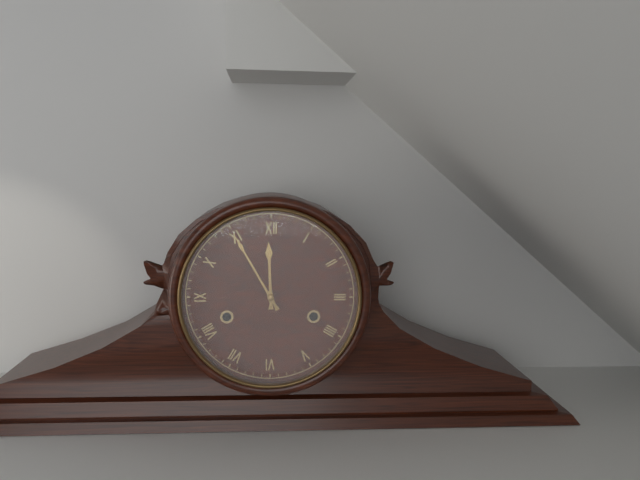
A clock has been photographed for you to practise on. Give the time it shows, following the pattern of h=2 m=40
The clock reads h=11 m=55
